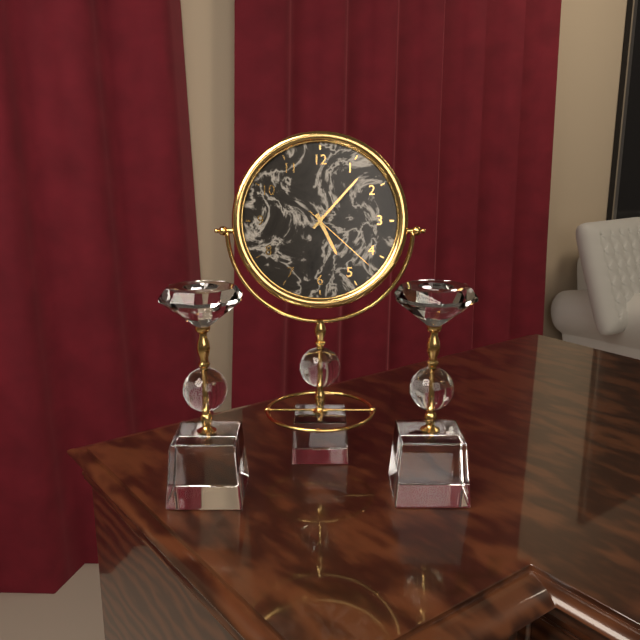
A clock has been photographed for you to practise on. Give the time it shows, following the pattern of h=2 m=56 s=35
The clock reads h=5 m=7 s=22
